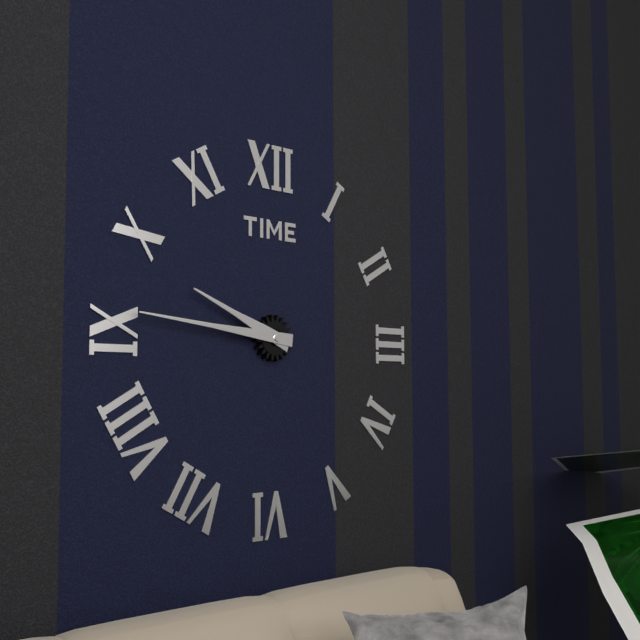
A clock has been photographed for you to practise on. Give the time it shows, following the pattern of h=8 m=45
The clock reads h=9 m=46
